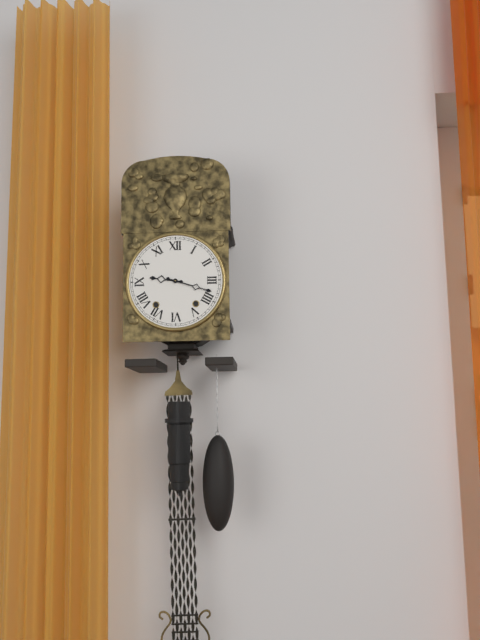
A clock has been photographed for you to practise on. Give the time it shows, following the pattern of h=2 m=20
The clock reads h=9 m=18
